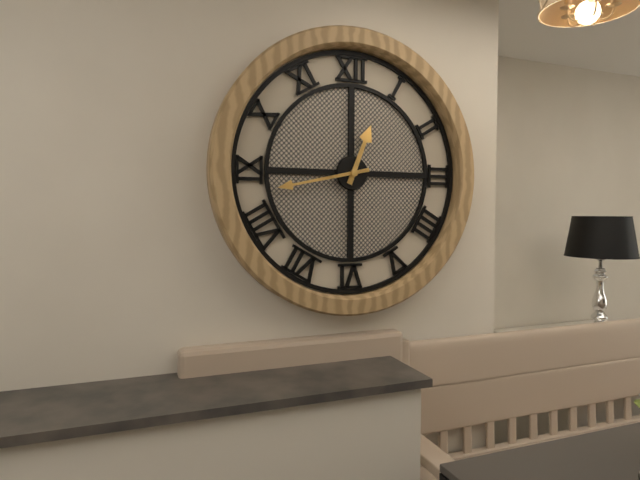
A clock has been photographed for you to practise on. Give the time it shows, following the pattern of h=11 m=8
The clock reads h=12 m=43
